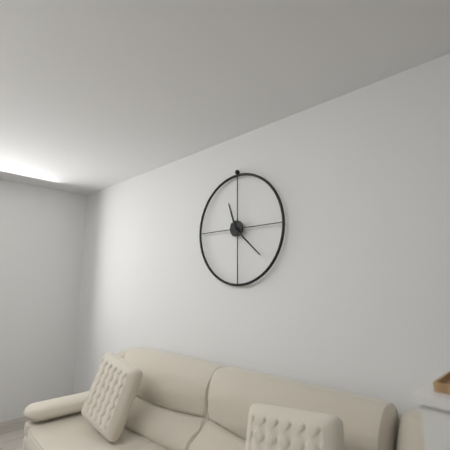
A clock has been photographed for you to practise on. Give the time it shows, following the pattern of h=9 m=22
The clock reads h=11 m=22
